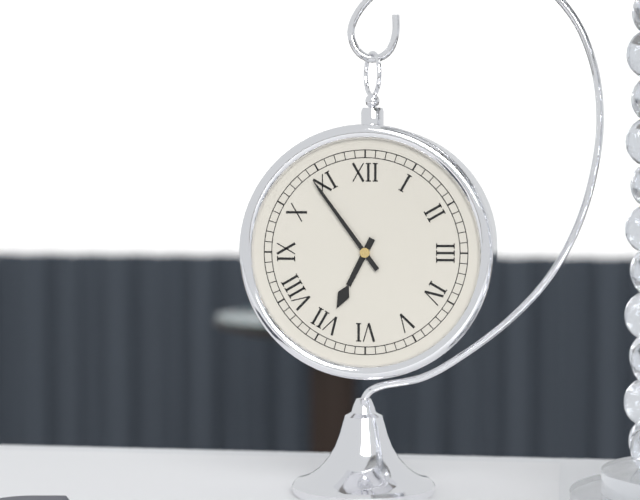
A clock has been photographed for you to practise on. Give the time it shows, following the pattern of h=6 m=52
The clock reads h=6 m=54
